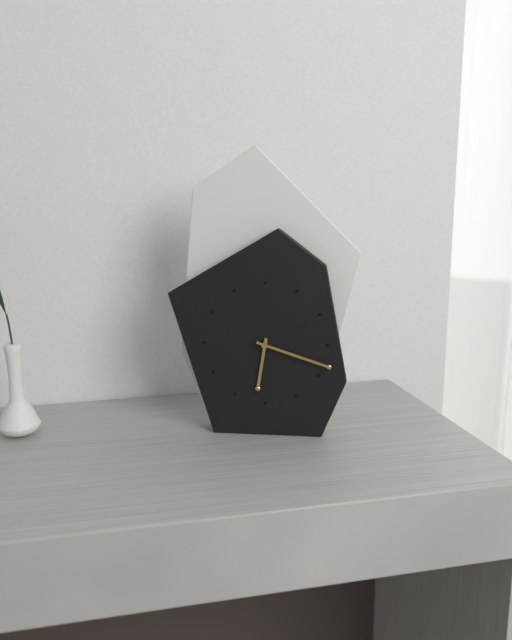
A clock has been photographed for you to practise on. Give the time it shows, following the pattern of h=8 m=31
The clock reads h=6 m=18
